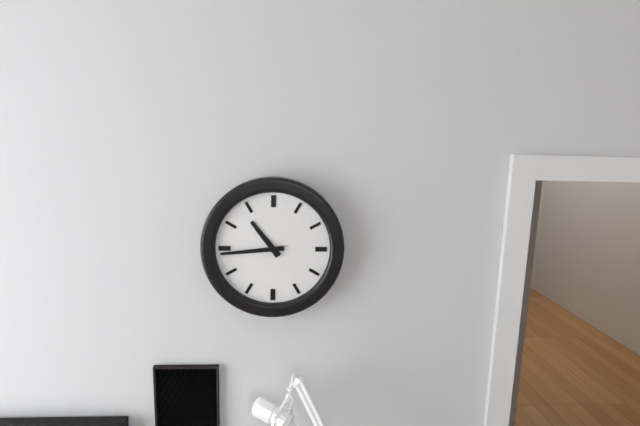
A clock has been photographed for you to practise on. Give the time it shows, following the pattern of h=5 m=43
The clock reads h=10 m=44
